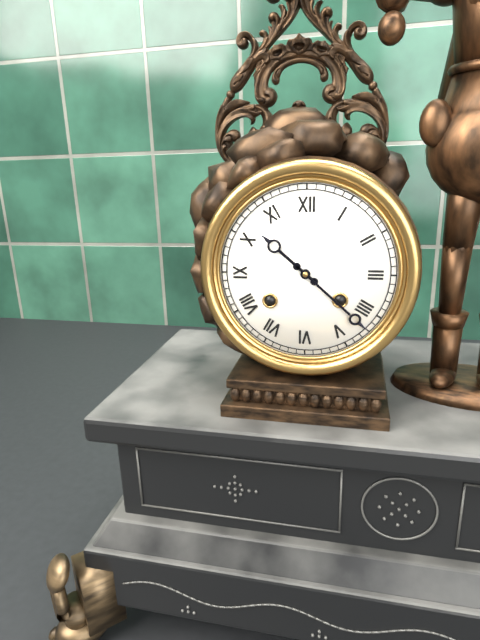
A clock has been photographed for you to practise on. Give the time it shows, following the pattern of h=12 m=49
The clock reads h=10 m=22
